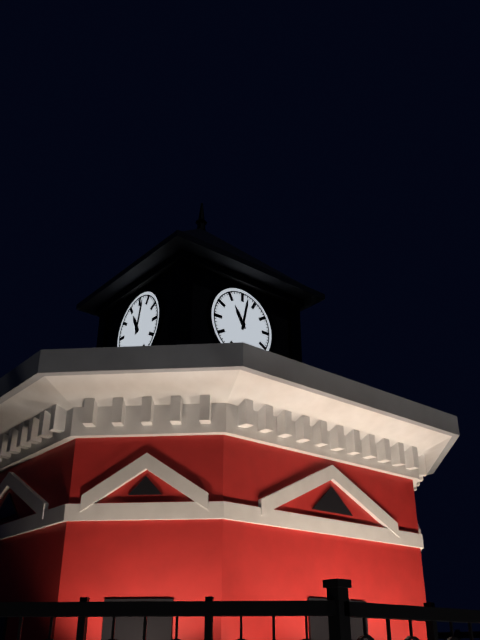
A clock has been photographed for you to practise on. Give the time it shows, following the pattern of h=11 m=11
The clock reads h=11 m=2
